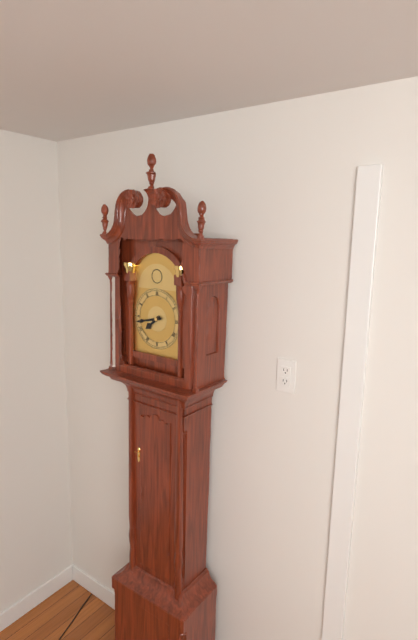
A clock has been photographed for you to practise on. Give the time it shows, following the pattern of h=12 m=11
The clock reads h=7 m=43
